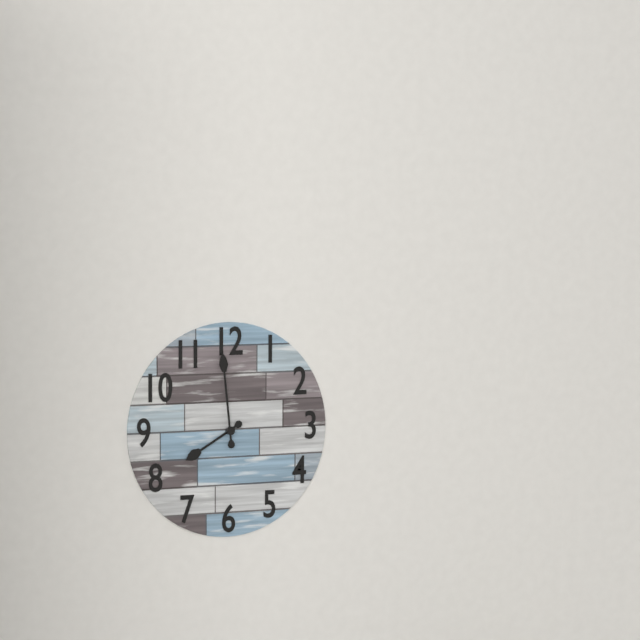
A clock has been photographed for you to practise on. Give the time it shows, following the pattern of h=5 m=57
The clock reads h=7 m=59
